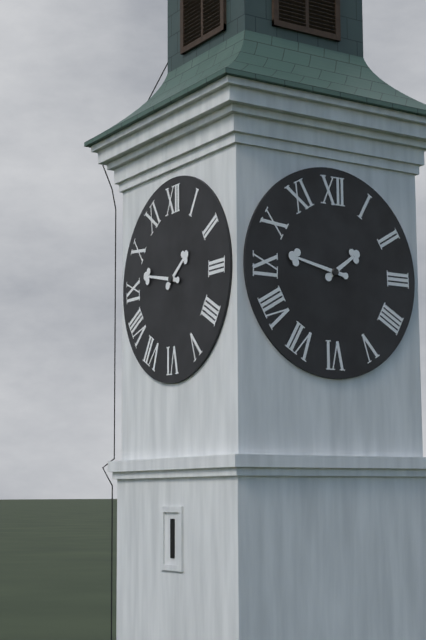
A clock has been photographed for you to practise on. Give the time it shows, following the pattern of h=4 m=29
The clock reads h=1 m=47
